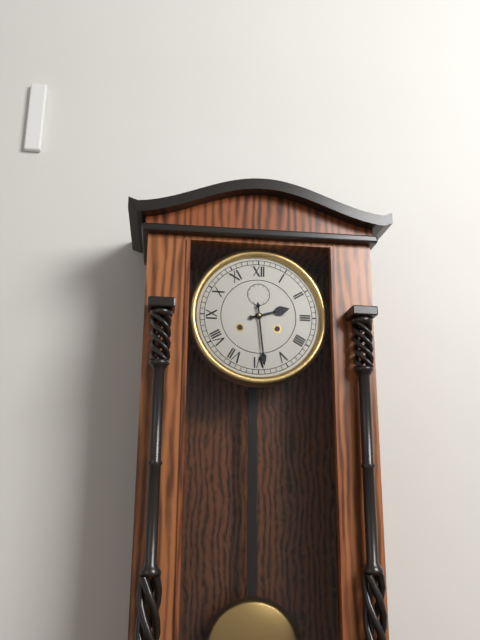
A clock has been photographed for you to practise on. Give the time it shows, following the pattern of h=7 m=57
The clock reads h=2 m=29
